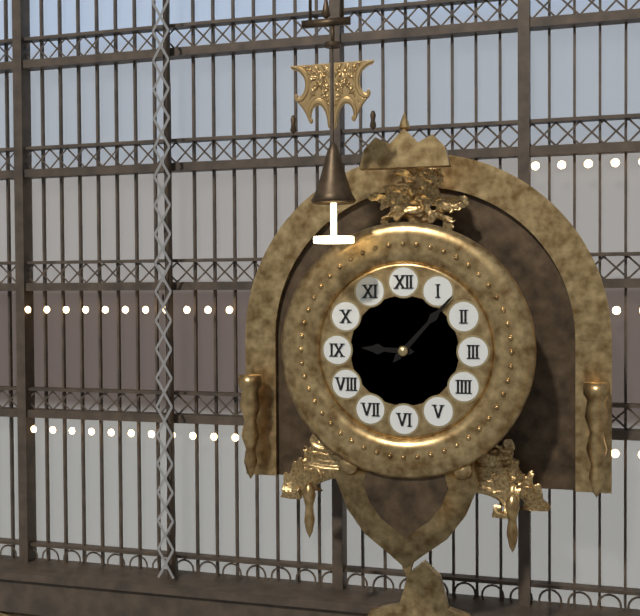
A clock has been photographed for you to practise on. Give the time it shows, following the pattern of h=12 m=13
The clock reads h=9 m=7
